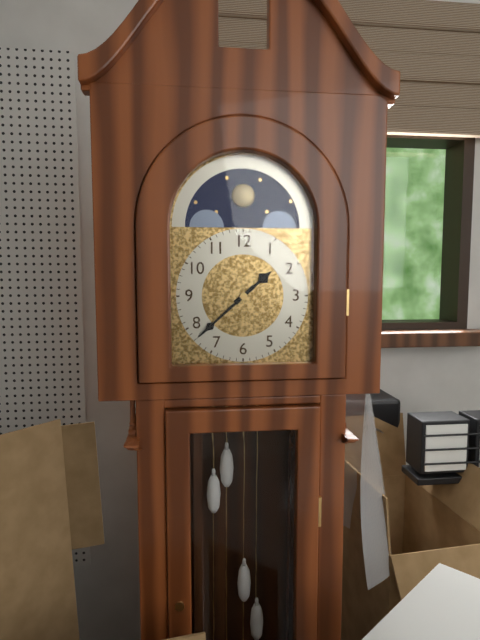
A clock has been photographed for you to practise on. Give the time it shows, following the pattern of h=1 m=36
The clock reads h=1 m=38
